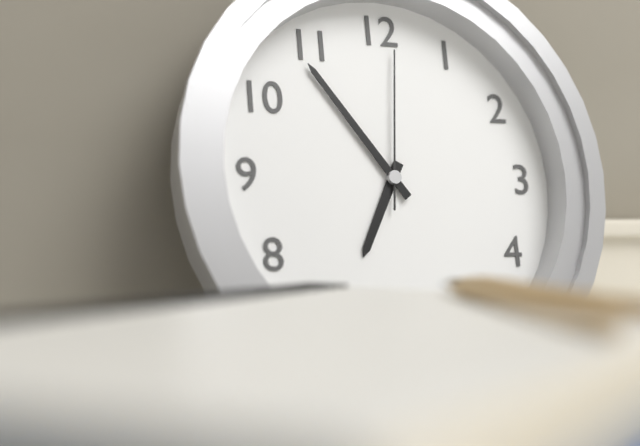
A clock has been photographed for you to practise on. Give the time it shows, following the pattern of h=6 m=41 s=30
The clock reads h=6 m=54 s=1
